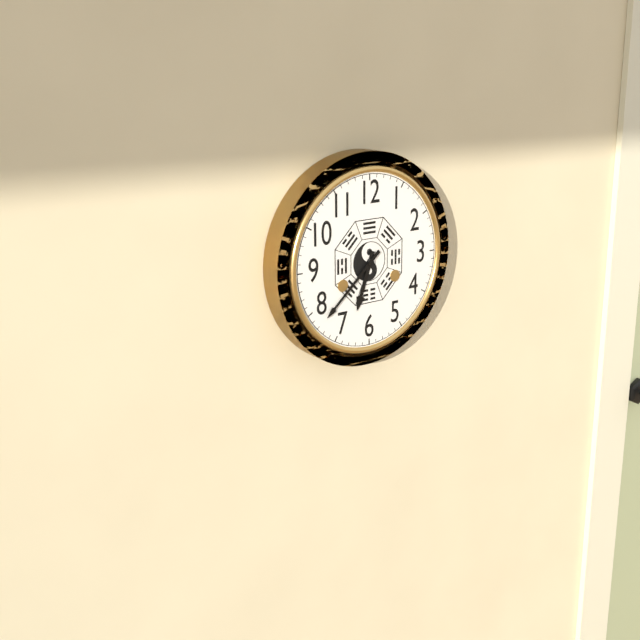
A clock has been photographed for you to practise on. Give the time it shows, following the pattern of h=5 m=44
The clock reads h=6 m=38
